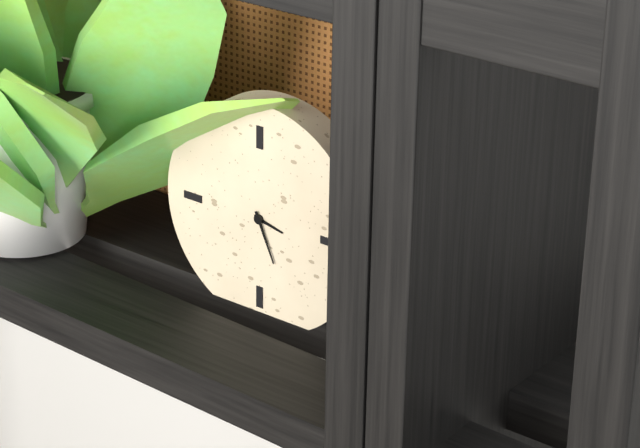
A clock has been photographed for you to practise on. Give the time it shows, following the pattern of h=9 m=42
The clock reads h=3 m=26
